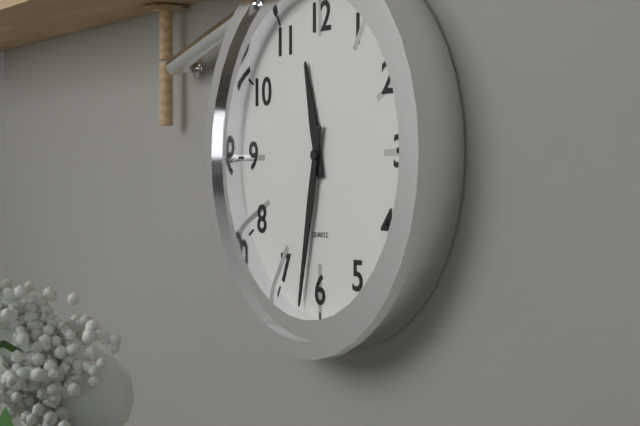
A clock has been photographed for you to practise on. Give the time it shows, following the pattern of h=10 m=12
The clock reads h=11 m=32
